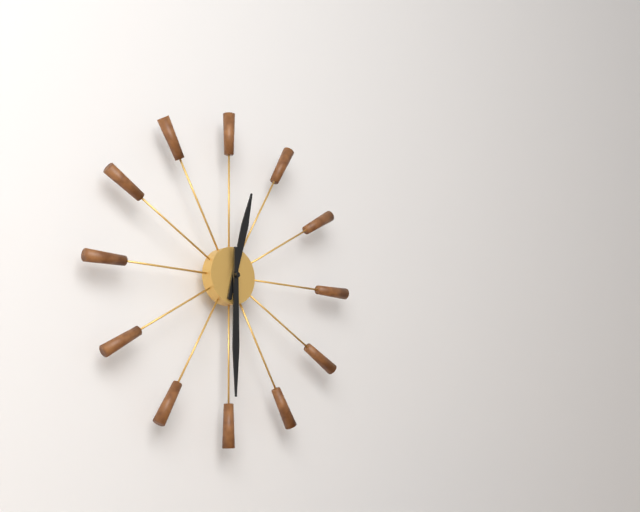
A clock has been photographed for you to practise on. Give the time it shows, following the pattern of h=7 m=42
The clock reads h=12 m=30
